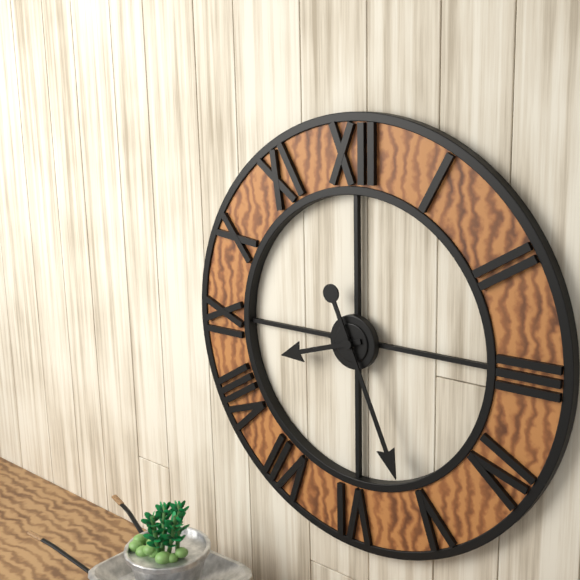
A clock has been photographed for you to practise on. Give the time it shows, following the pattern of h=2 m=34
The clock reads h=8 m=26
